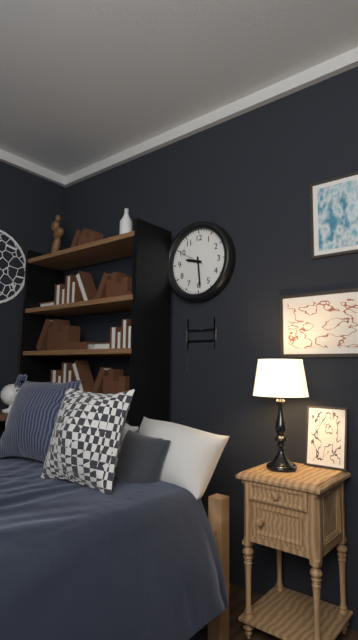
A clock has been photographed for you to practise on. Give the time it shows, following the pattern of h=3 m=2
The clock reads h=9 m=29
